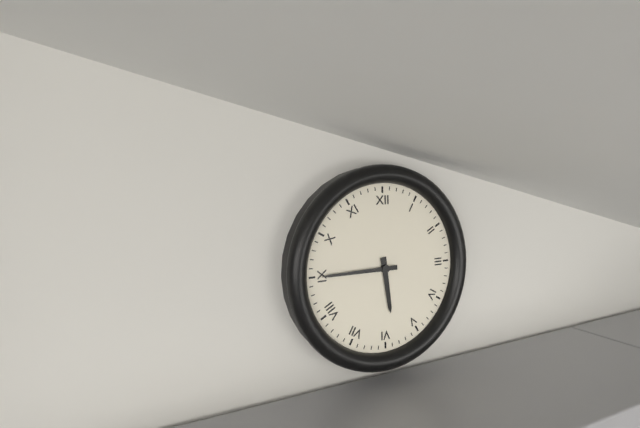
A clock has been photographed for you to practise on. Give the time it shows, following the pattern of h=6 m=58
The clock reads h=5 m=45
